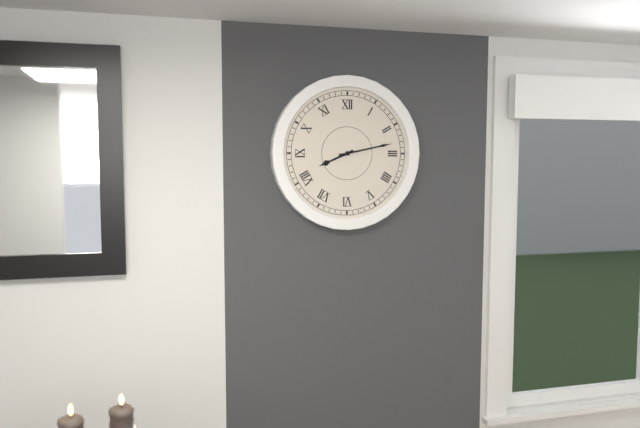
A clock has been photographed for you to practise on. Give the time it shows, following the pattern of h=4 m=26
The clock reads h=8 m=13
